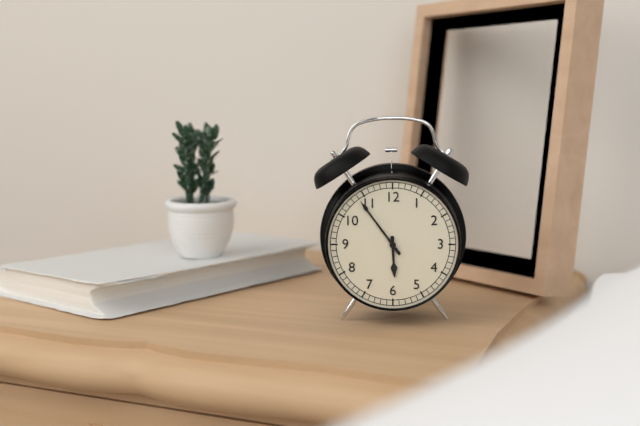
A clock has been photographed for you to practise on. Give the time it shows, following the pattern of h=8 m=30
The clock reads h=5 m=54
